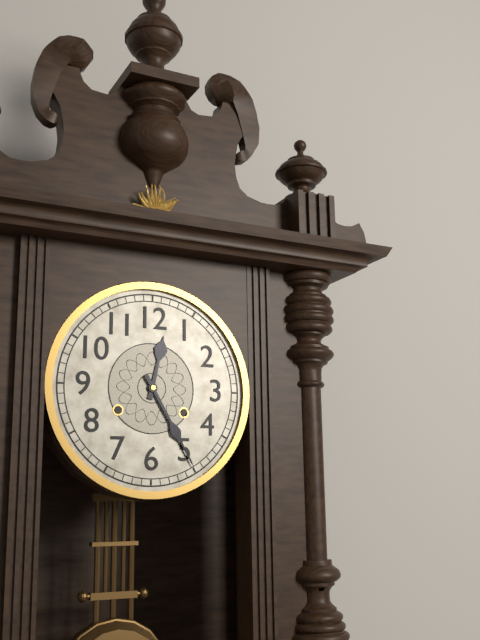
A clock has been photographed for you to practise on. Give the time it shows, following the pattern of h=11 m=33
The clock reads h=12 m=25
